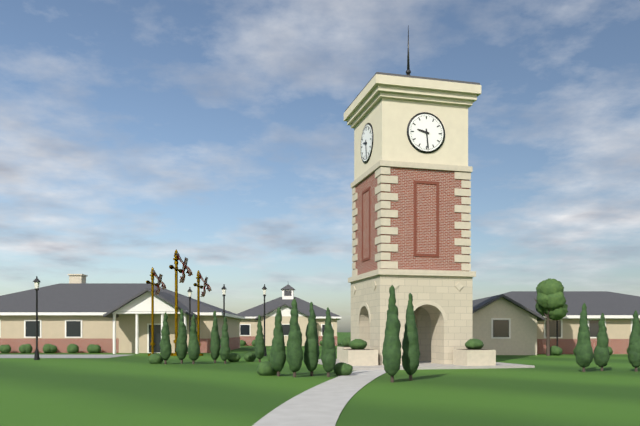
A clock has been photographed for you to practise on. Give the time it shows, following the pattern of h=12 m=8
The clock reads h=9 m=29
